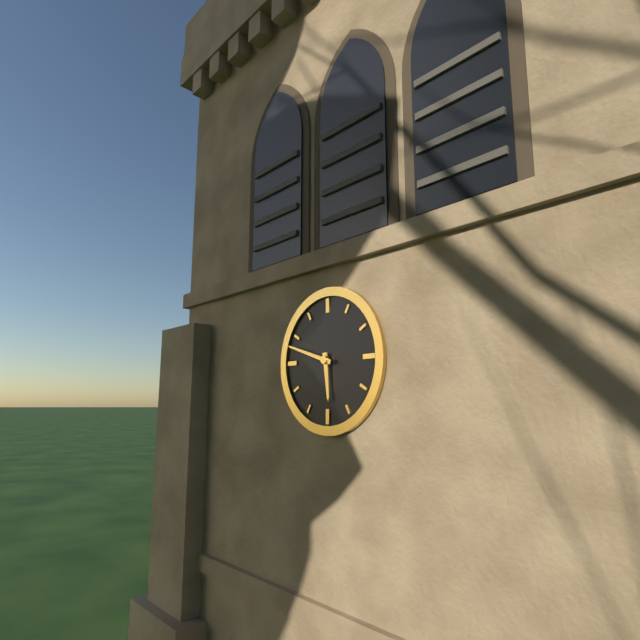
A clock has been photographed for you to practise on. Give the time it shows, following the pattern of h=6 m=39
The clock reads h=5 m=48
